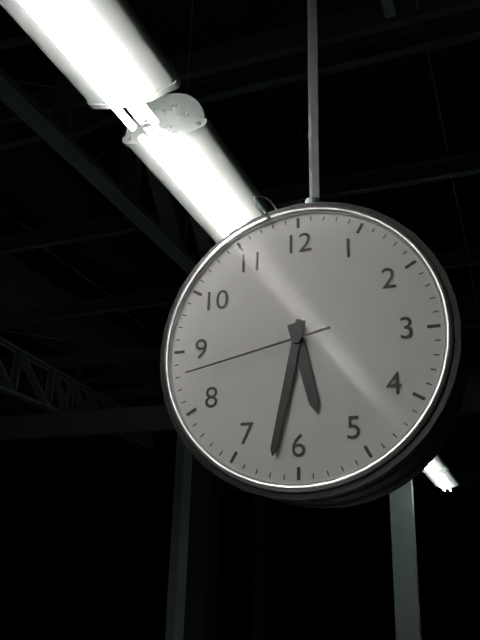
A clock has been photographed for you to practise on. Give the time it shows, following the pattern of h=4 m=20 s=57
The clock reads h=5 m=32 s=43
